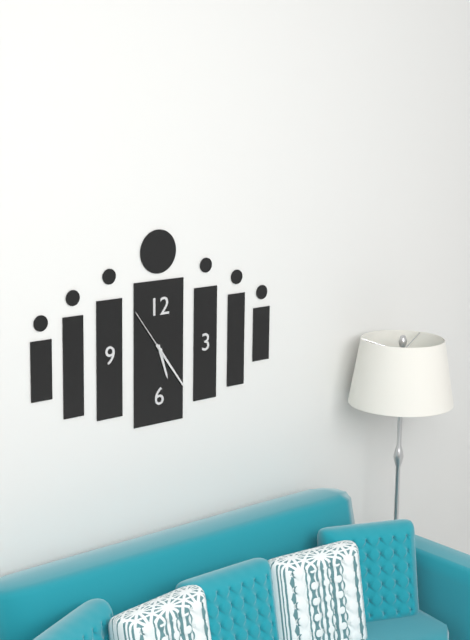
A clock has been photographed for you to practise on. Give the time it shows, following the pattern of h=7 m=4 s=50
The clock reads h=5 m=24 s=54
